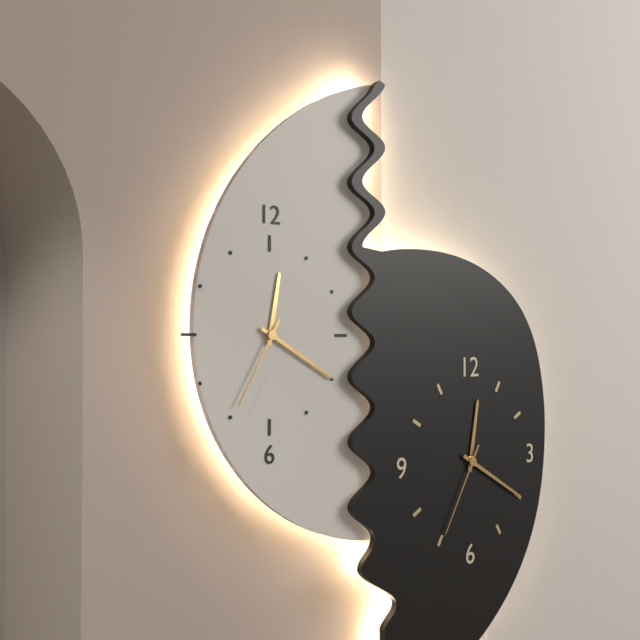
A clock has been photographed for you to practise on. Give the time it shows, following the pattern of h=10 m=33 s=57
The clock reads h=12 m=20 s=35
